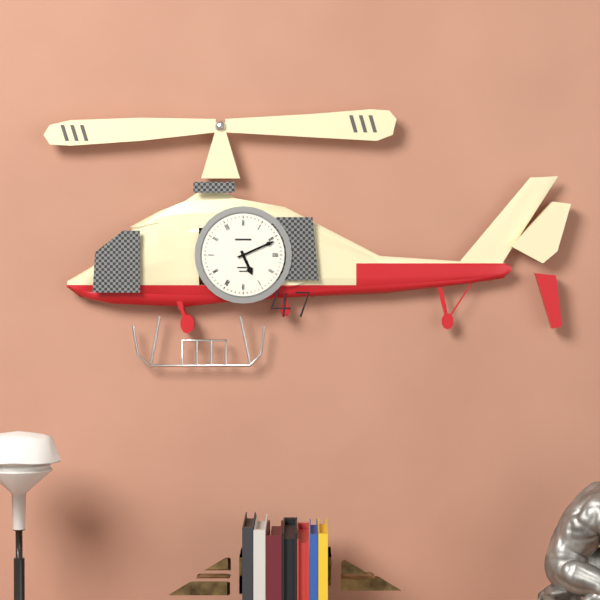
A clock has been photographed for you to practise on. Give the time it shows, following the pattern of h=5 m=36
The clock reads h=5 m=11
